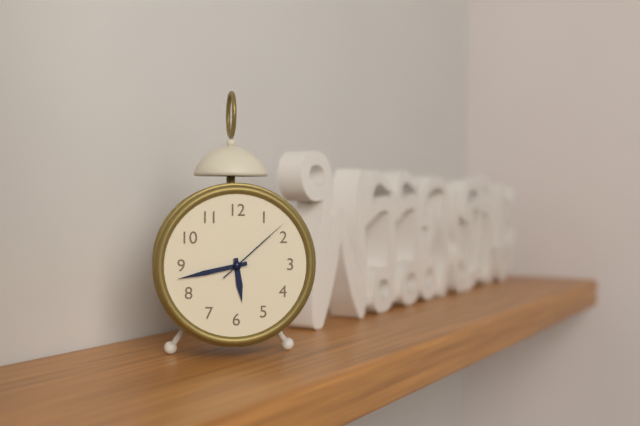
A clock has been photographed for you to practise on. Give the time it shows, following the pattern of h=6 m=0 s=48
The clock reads h=5 m=43 s=8
